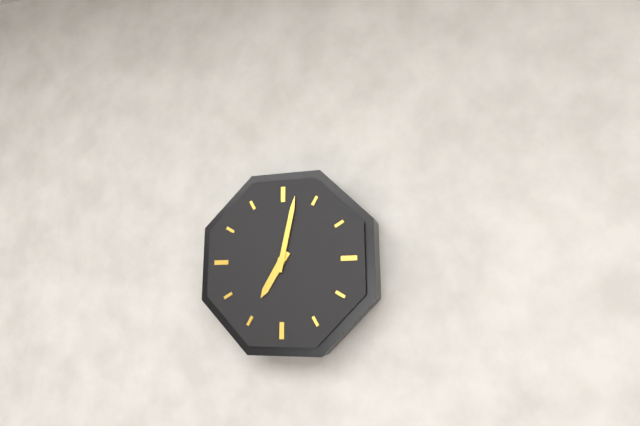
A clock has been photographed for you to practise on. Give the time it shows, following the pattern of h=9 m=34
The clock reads h=7 m=2
